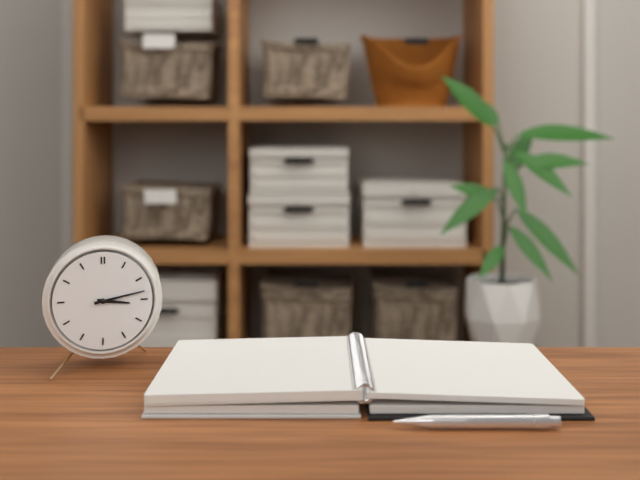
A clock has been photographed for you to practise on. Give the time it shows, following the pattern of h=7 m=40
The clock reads h=3 m=13
